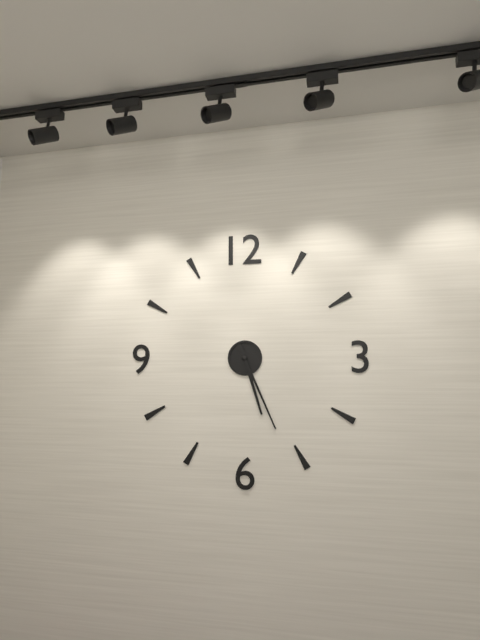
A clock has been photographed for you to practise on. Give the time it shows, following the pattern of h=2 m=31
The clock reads h=5 m=26
